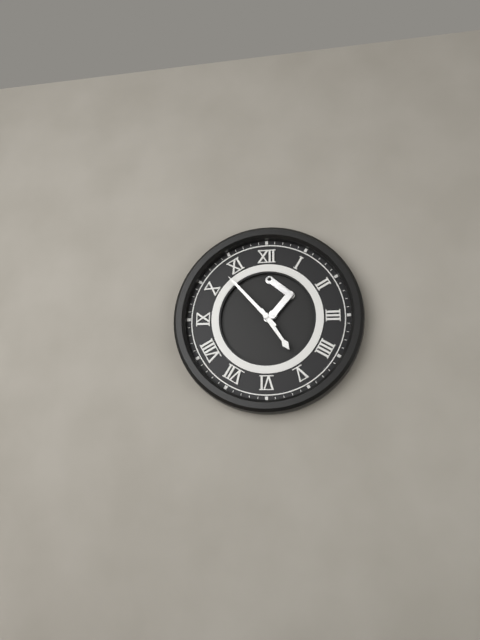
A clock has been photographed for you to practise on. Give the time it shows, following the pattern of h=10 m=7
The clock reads h=4 m=53
